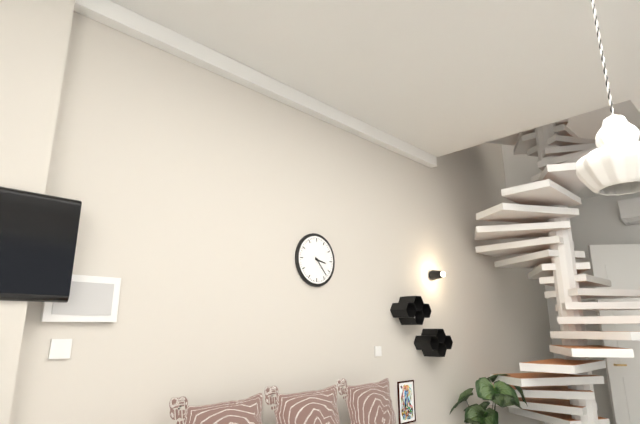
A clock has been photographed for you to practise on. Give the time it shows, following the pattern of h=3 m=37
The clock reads h=3 m=23
